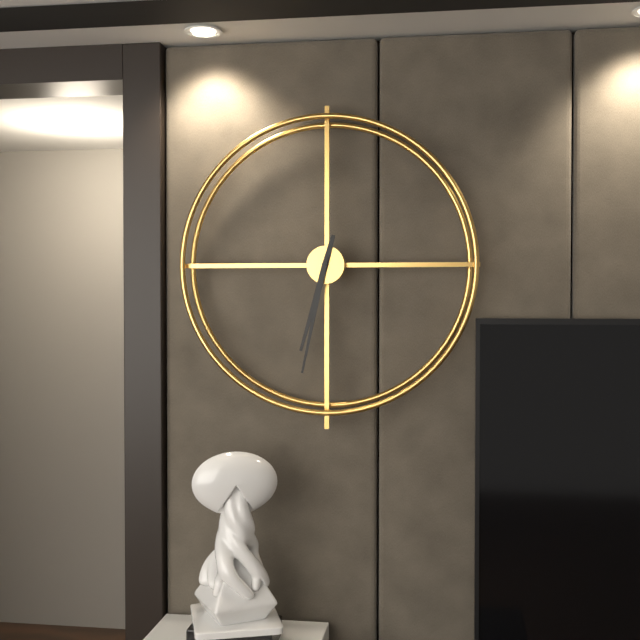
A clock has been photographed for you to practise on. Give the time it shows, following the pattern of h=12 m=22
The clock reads h=6 m=32
